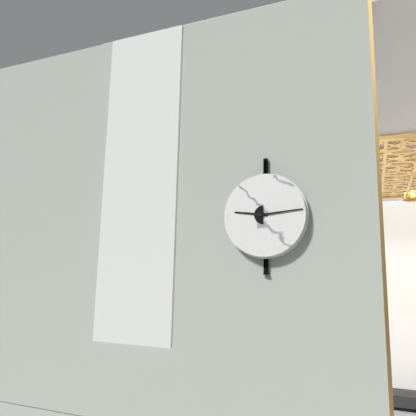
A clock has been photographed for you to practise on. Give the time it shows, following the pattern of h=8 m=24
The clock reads h=9 m=14
